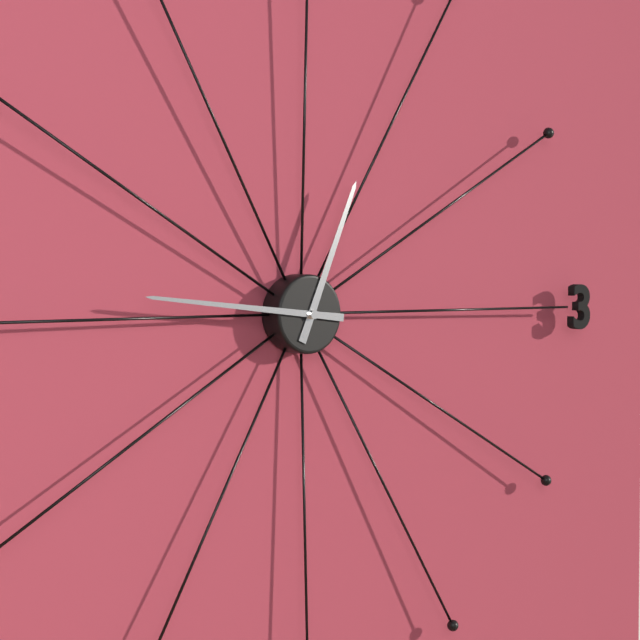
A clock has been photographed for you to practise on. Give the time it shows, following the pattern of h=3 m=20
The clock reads h=12 m=46
